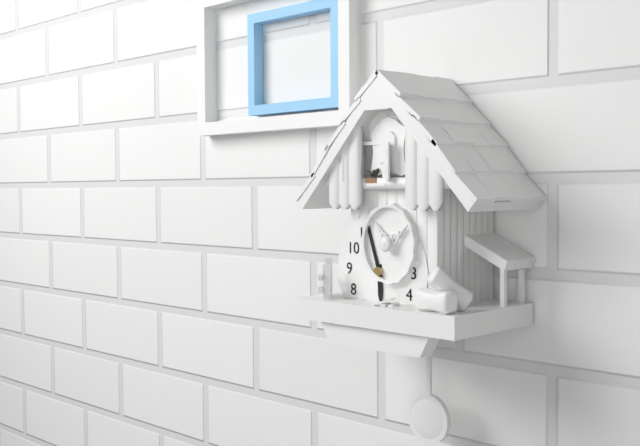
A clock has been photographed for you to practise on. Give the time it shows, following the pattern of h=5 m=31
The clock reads h=5 m=57
